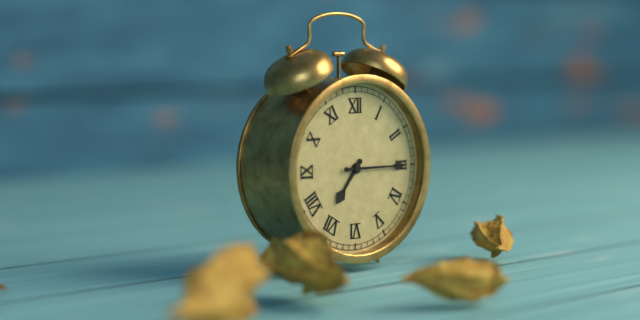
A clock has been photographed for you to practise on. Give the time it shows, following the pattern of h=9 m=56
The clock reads h=7 m=15
